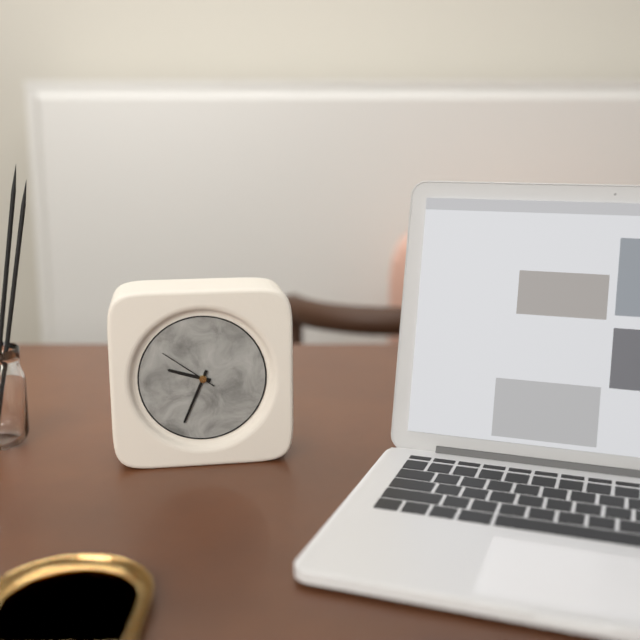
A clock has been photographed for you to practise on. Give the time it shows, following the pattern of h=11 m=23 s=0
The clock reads h=9 m=34 s=51
